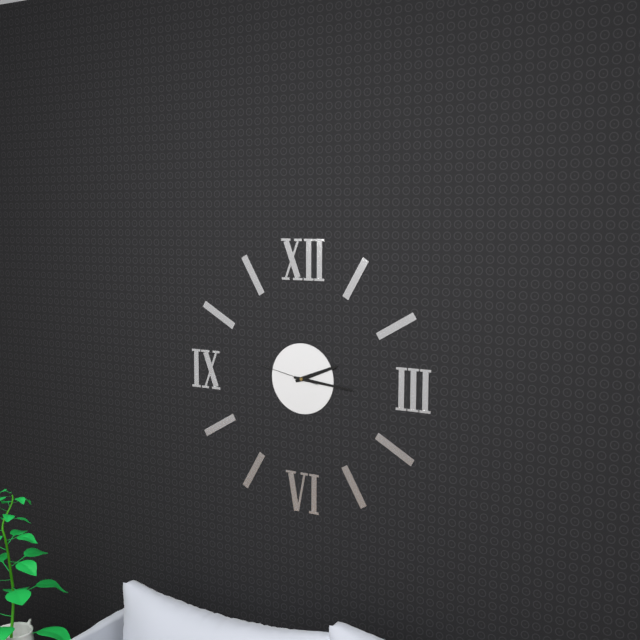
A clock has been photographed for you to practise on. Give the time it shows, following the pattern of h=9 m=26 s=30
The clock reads h=2 m=16 s=47
